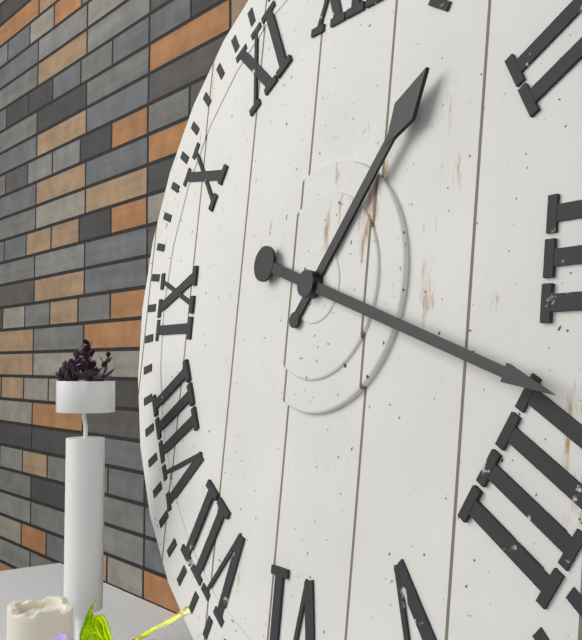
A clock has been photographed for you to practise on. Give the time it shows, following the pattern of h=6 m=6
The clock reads h=1 m=18
